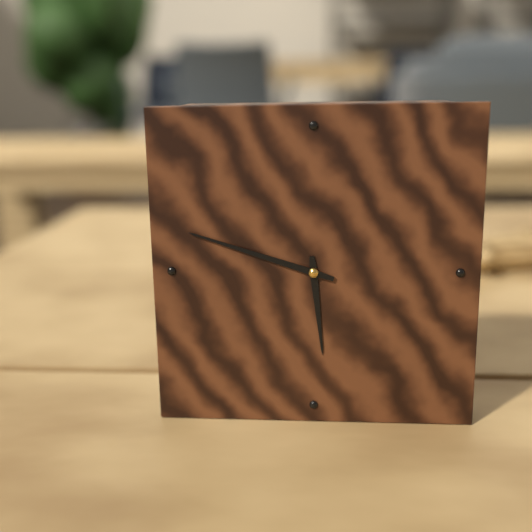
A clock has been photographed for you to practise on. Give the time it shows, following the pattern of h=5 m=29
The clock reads h=5 m=48
